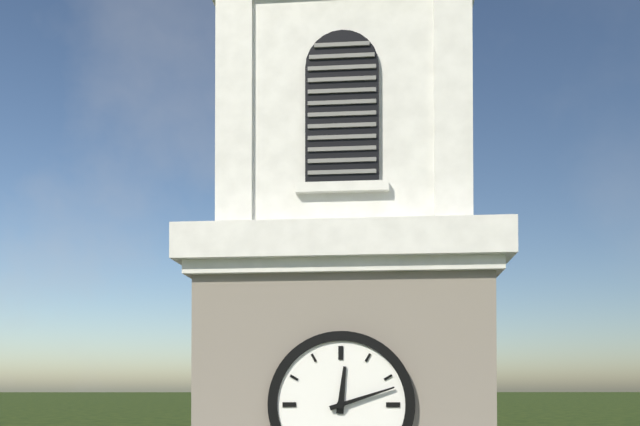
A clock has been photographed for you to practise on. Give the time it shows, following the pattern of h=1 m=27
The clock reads h=12 m=12
